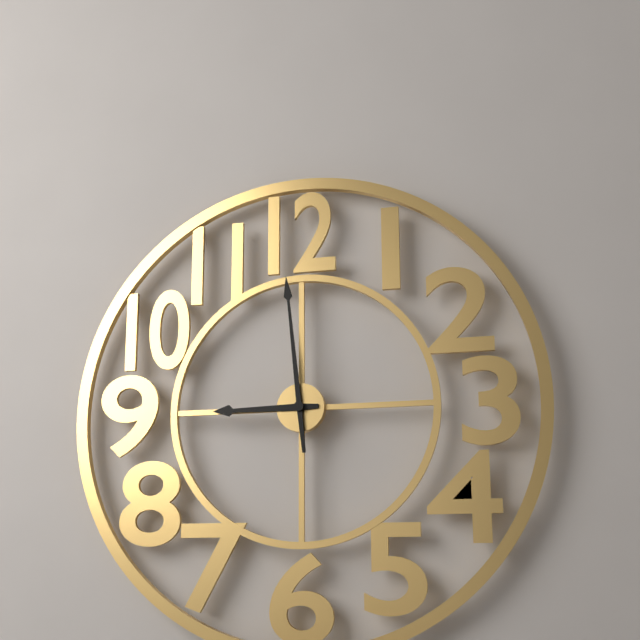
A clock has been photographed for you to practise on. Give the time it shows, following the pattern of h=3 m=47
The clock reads h=8 m=59
